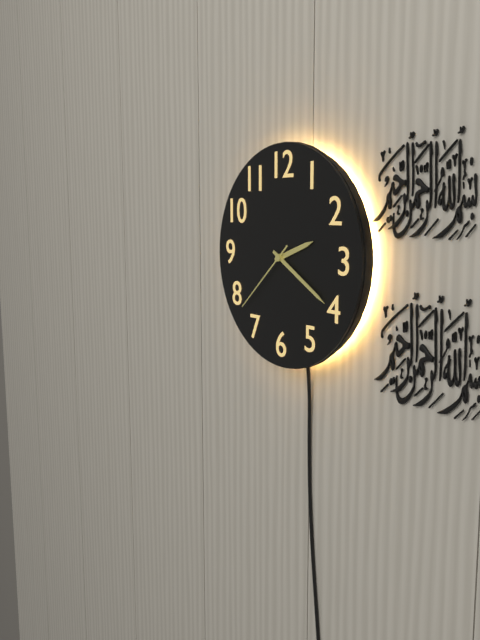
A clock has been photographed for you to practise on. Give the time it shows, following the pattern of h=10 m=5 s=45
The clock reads h=2 m=20 s=38
